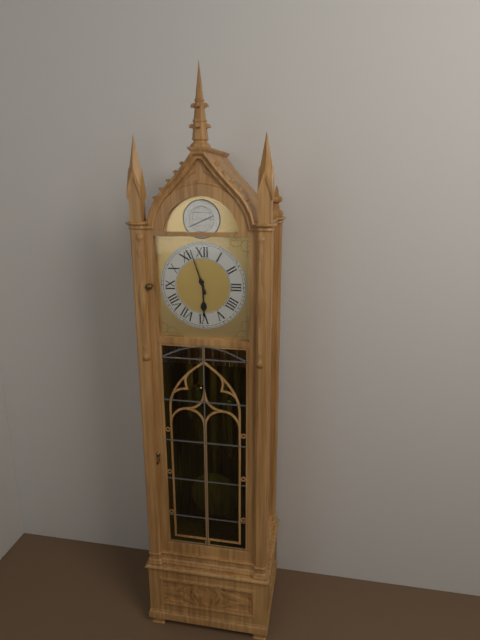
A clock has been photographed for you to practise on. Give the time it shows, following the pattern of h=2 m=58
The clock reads h=5 m=57
